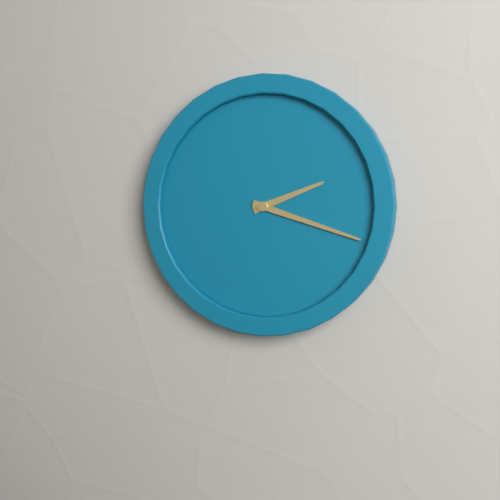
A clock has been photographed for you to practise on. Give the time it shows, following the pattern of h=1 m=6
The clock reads h=2 m=18
